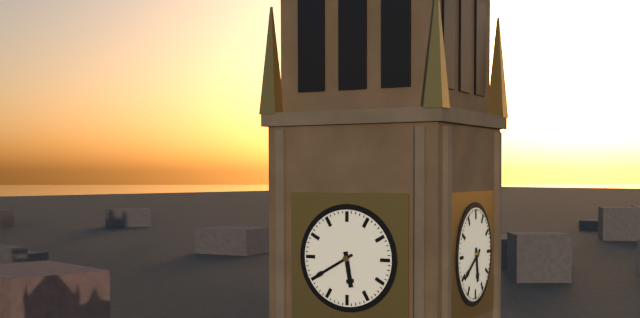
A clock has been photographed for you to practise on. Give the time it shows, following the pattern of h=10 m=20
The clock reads h=5 m=40
